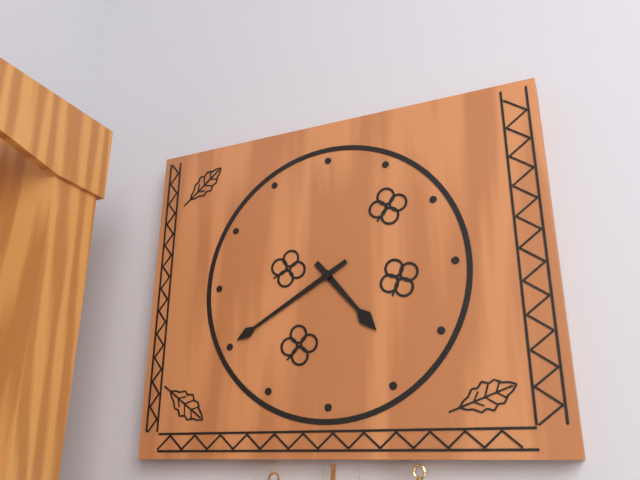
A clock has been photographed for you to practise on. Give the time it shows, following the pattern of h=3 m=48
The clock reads h=4 m=40
